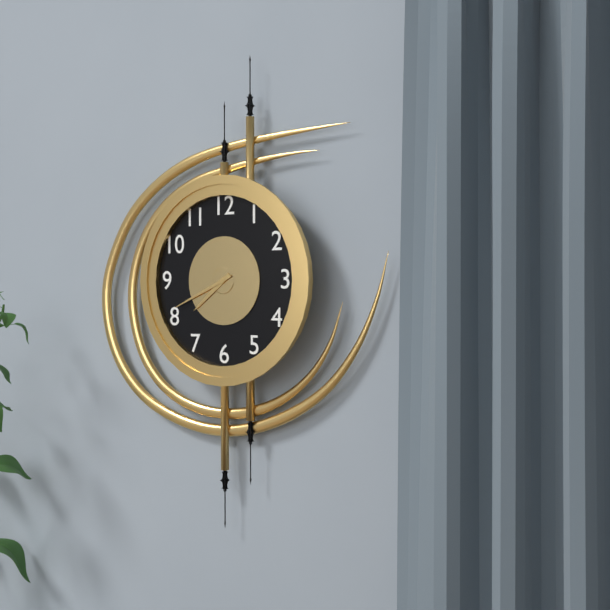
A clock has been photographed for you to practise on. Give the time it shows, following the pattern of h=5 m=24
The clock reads h=7 m=41
